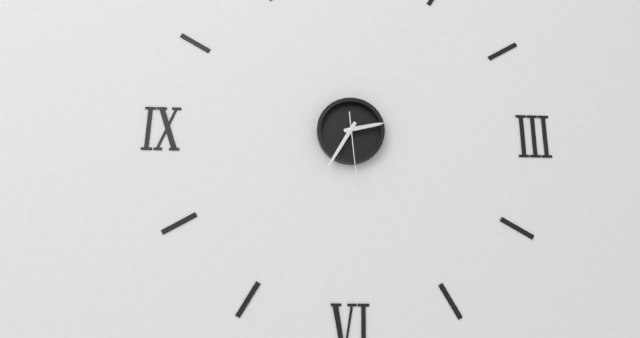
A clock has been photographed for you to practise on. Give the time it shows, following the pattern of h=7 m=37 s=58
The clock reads h=2 m=35 s=29
